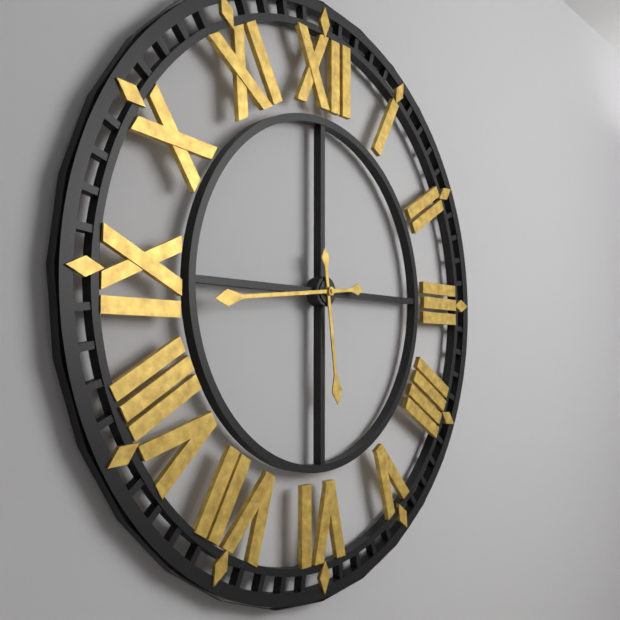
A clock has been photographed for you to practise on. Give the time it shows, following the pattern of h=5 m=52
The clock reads h=5 m=44
